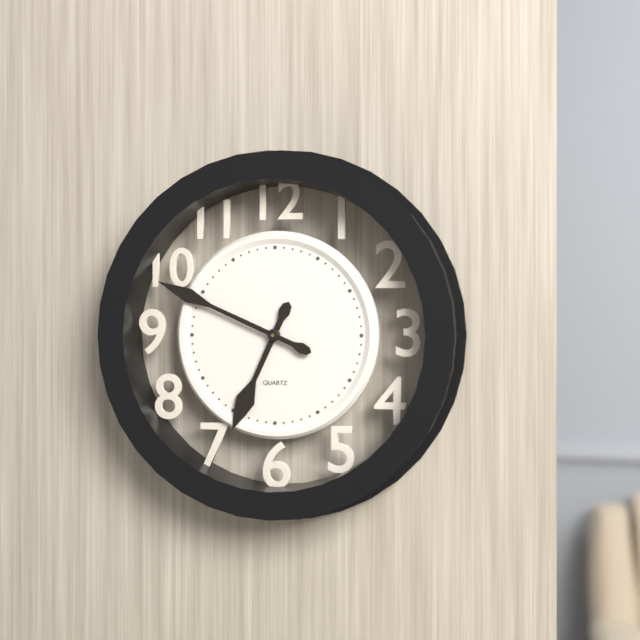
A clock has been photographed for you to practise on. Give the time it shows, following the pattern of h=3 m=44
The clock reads h=6 m=49
